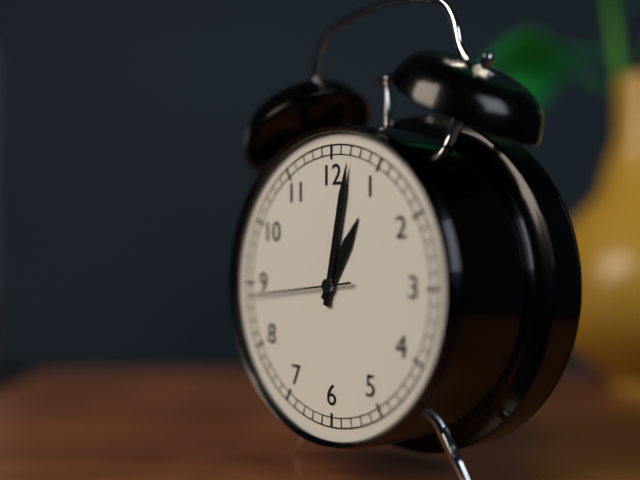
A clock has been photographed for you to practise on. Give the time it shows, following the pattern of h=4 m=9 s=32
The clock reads h=1 m=2 s=44
